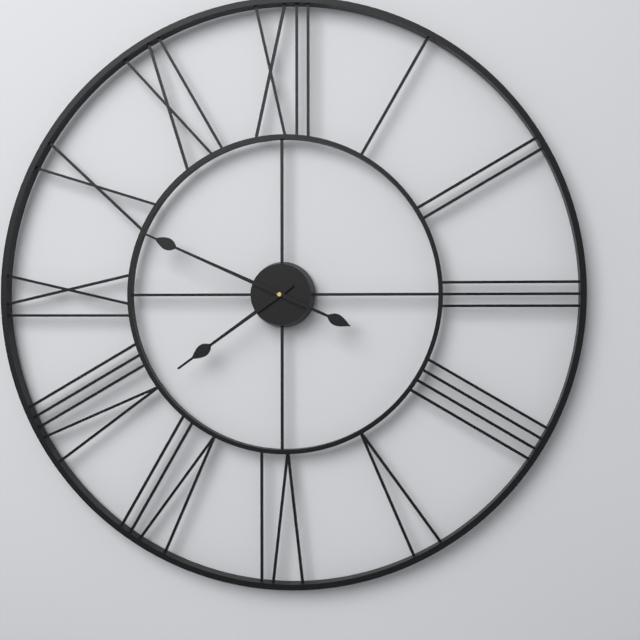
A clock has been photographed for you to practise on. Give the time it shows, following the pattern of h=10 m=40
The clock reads h=7 m=49
